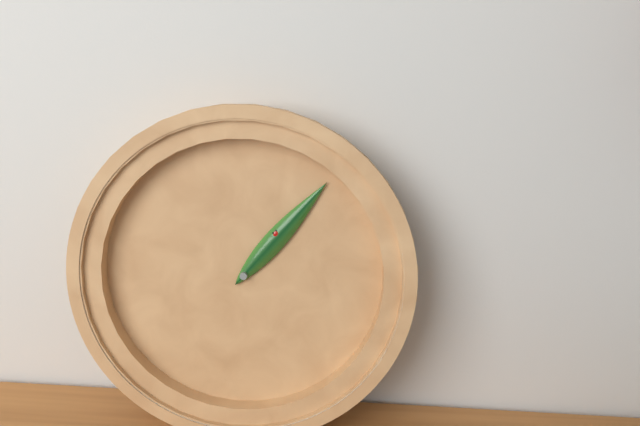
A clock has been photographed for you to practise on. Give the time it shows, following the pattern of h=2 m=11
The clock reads h=1 m=6
